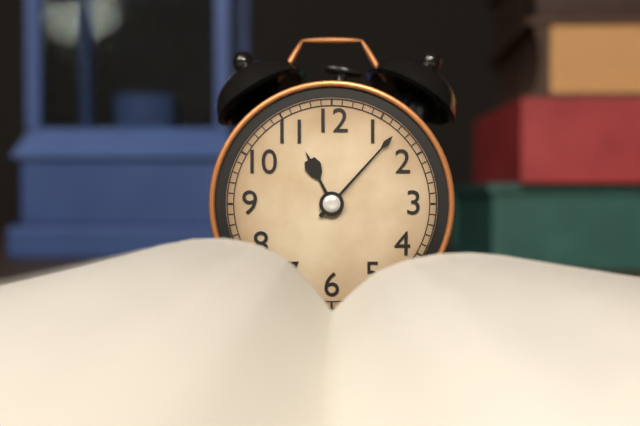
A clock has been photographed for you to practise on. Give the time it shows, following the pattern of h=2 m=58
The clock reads h=11 m=7
